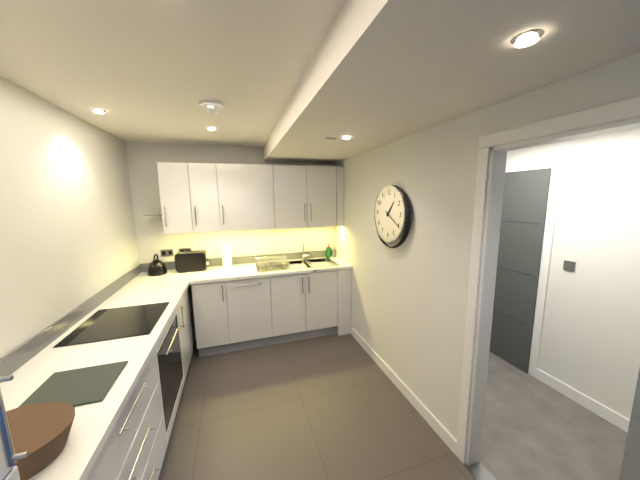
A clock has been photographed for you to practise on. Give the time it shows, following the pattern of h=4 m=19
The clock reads h=1 m=20
